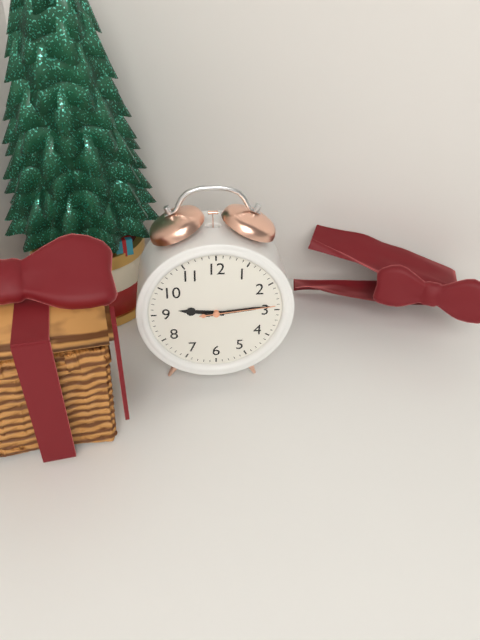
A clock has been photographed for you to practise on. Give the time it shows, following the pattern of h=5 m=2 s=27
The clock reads h=9 m=14 s=14
